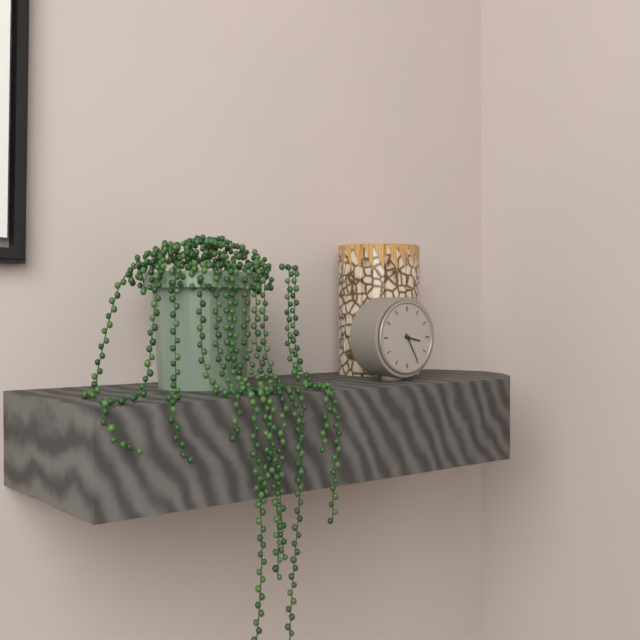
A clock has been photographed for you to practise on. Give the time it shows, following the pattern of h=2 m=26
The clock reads h=3 m=25
